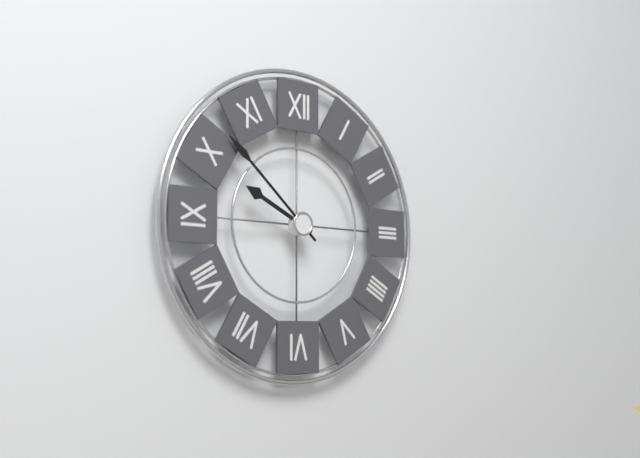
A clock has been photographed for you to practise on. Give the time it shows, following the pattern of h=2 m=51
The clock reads h=9 m=52
